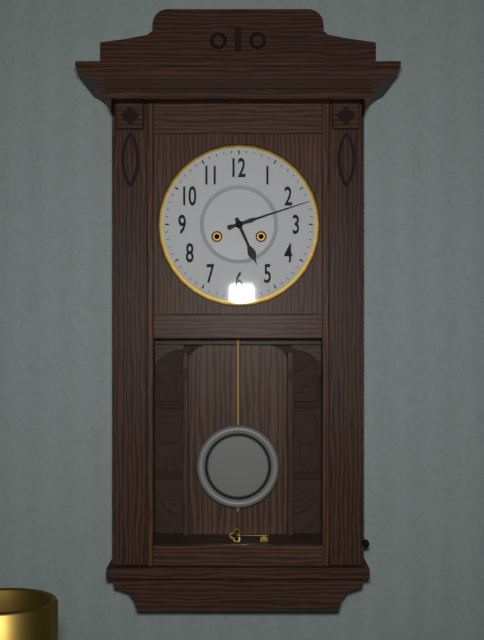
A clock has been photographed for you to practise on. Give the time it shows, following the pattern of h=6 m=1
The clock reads h=5 m=12
